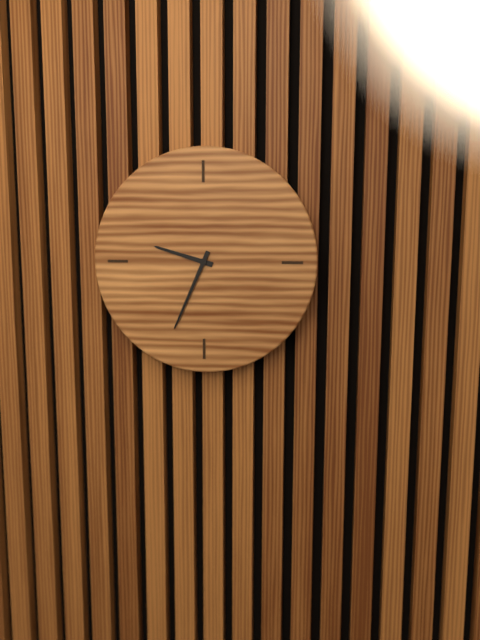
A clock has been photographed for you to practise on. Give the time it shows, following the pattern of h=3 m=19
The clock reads h=9 m=34
